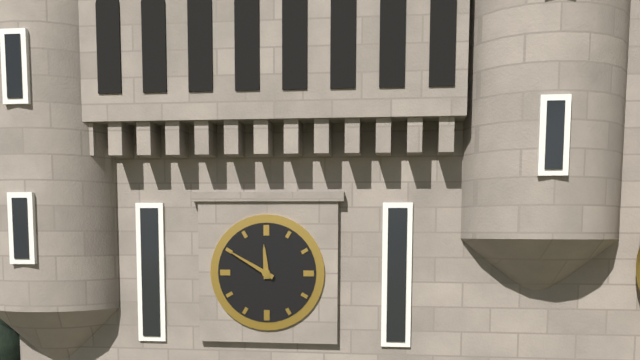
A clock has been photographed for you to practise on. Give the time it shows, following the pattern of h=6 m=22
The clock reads h=11 m=50
